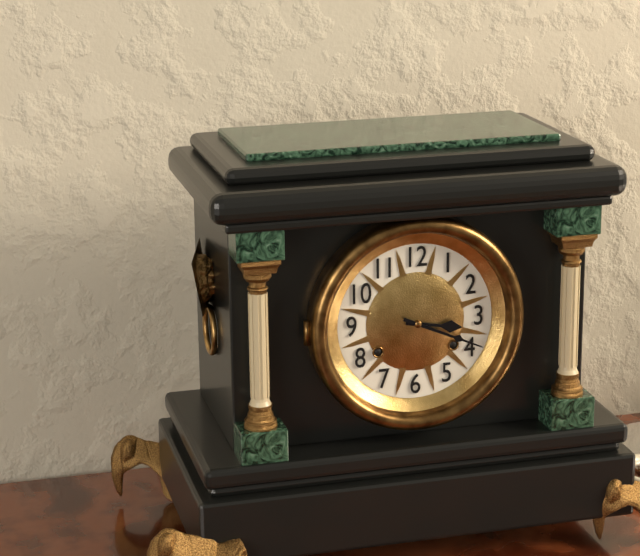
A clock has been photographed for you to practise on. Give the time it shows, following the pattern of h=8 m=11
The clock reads h=3 m=19
